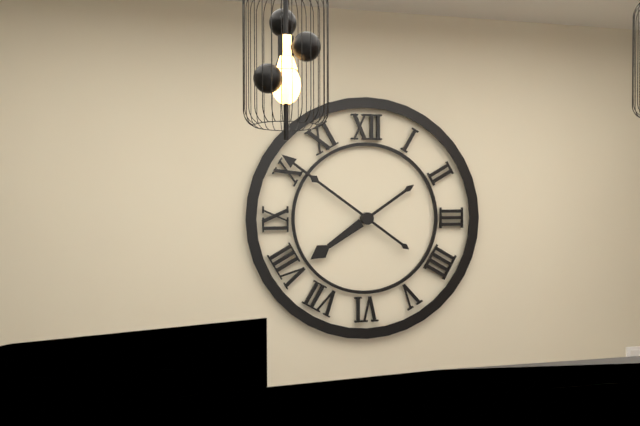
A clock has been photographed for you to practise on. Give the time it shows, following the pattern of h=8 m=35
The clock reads h=7 m=51
